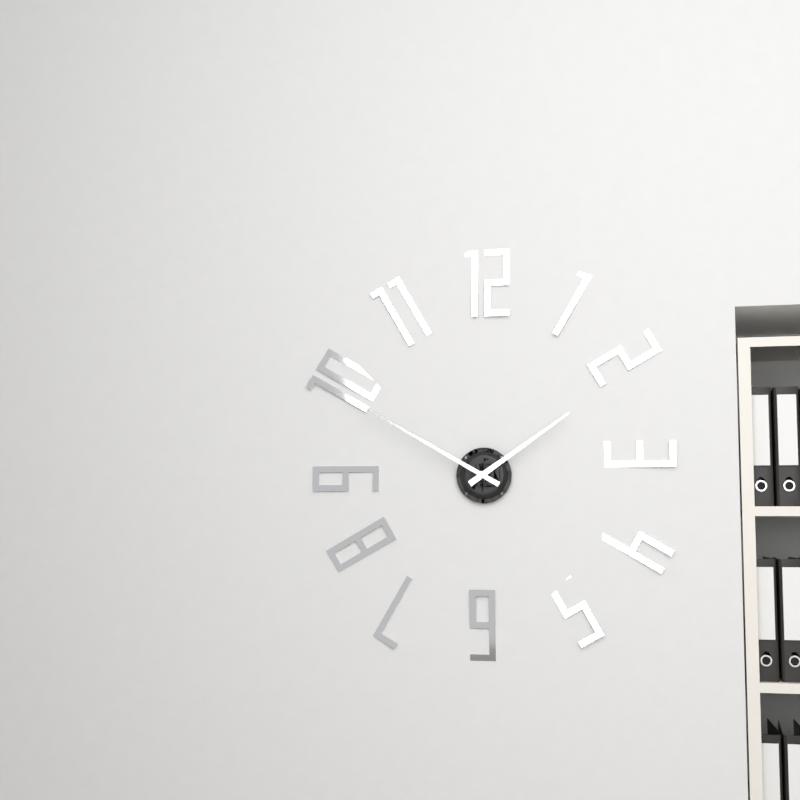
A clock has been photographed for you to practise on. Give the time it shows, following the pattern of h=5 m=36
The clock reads h=1 m=50
